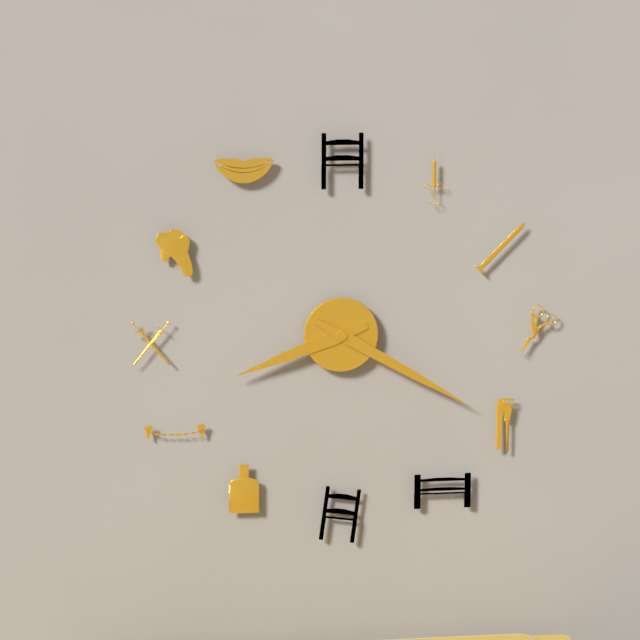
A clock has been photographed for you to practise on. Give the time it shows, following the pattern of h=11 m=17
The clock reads h=8 m=20
